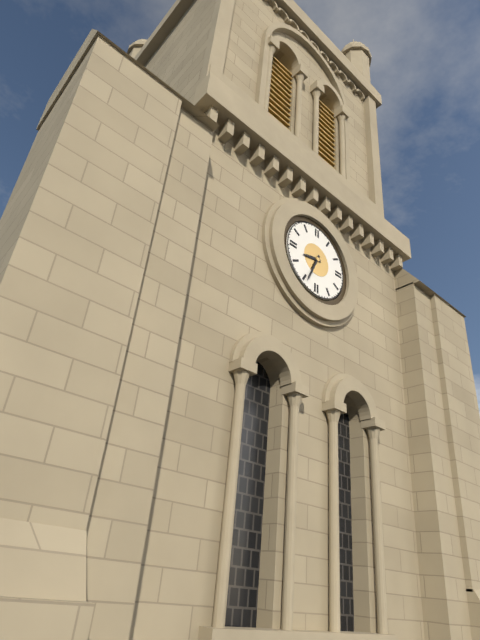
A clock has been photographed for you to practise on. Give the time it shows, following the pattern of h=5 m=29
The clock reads h=8 m=34
